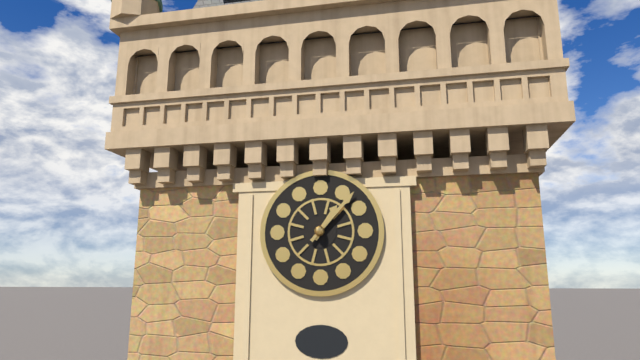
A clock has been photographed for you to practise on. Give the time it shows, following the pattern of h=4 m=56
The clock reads h=1 m=7
